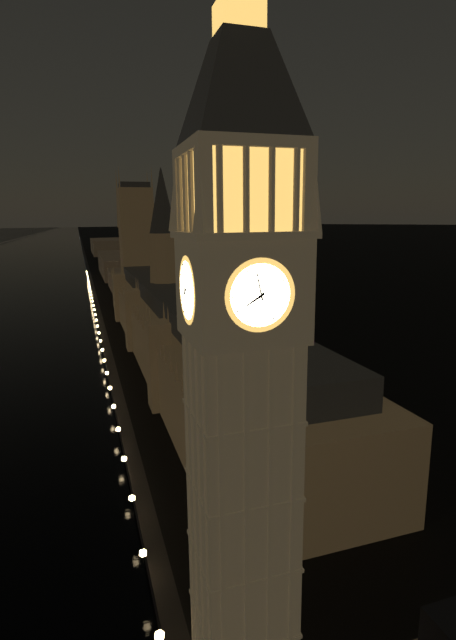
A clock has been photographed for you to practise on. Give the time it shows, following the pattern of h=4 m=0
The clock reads h=7 m=58
